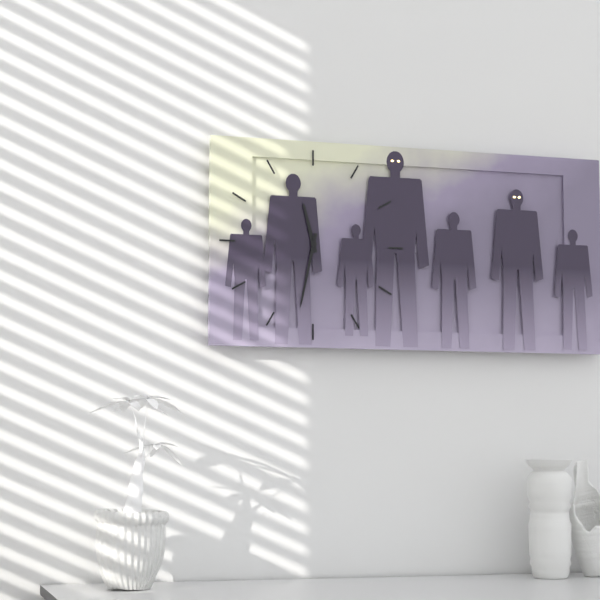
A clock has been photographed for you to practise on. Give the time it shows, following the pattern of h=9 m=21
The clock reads h=11 m=32
